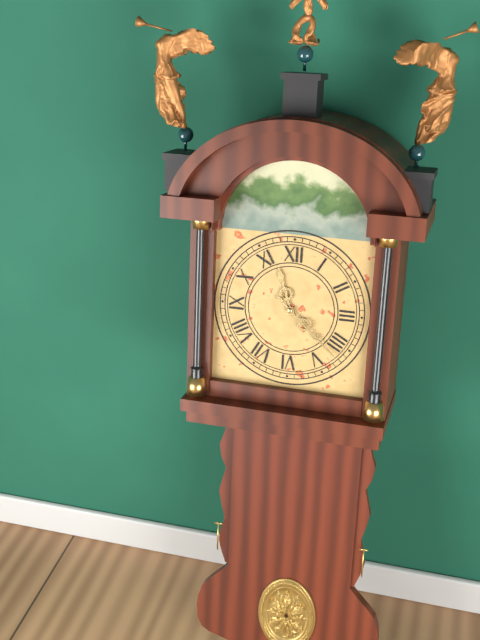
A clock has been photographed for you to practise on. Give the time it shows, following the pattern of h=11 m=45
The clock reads h=11 m=22
